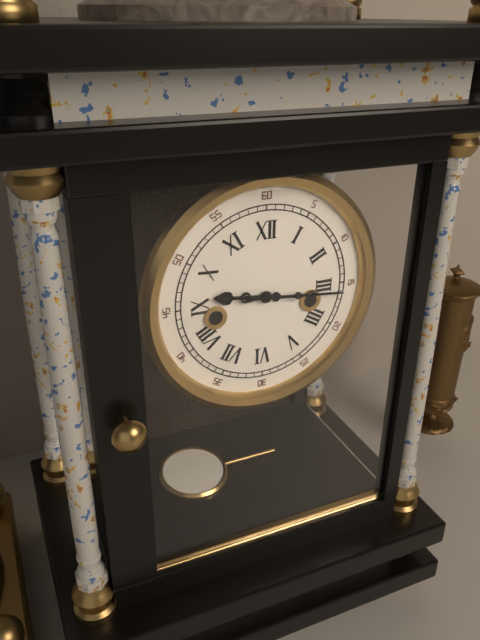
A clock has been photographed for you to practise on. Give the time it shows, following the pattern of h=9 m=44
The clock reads h=9 m=16
